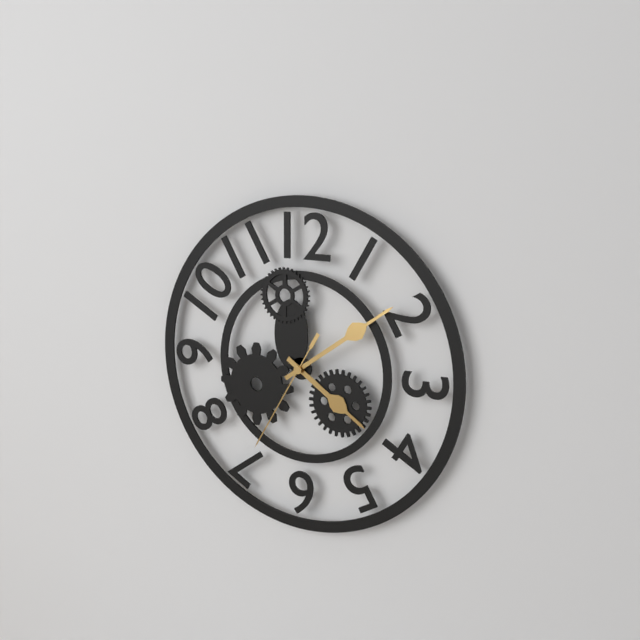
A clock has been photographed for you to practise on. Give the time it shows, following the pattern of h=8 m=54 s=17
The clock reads h=4 m=9 s=35
